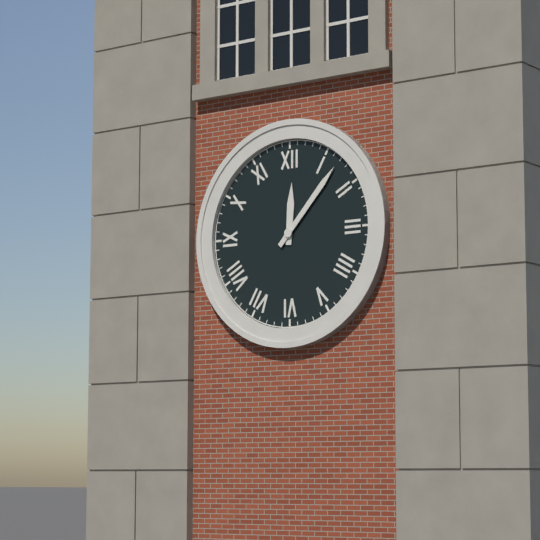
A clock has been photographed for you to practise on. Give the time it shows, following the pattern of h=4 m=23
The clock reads h=12 m=7
